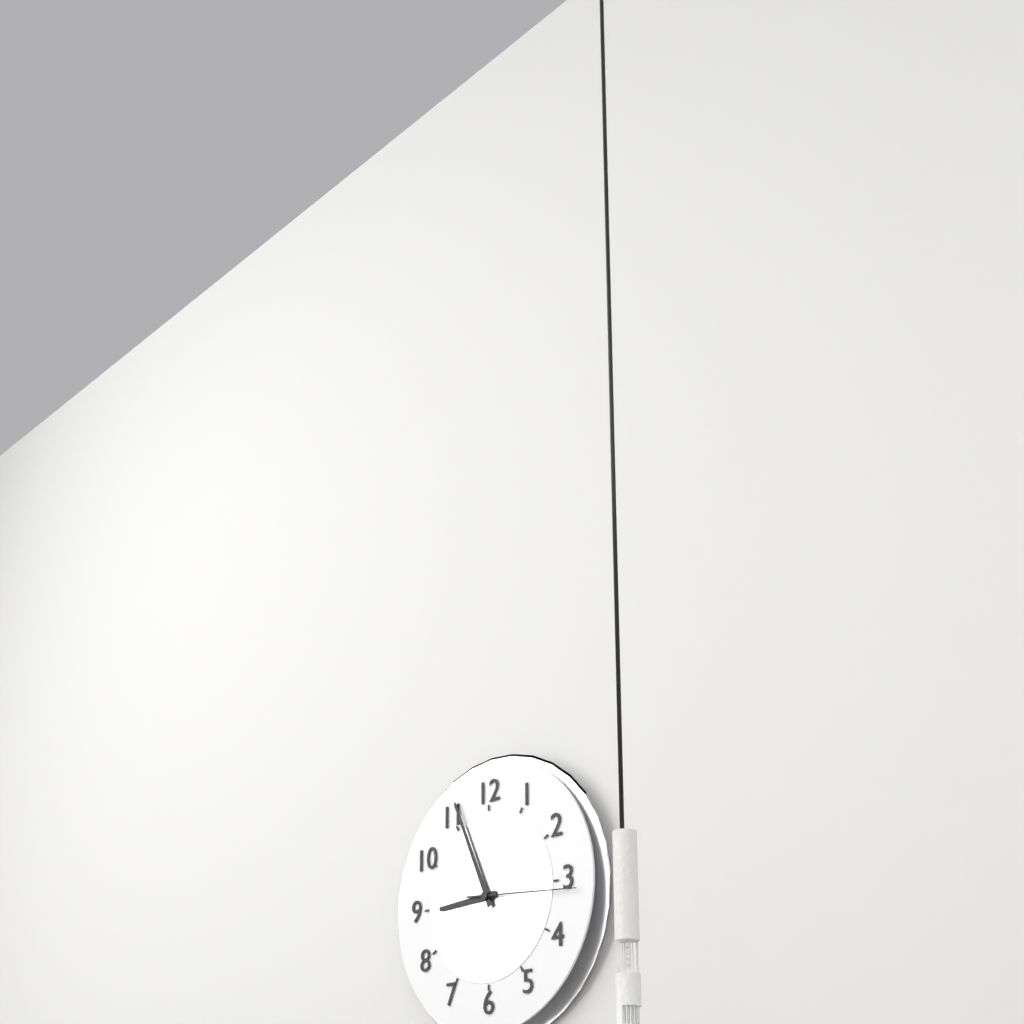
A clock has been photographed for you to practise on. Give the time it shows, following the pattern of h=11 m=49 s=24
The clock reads h=8 m=56 s=16
